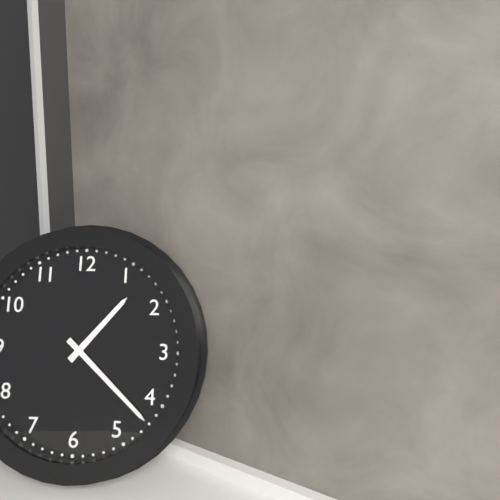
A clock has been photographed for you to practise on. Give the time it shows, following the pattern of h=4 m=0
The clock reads h=1 m=22
